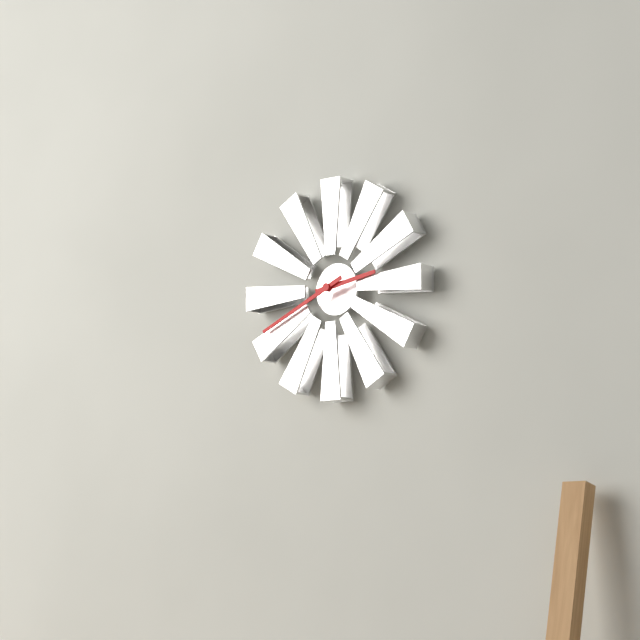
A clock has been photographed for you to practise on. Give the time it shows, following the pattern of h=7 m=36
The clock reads h=2 m=41
